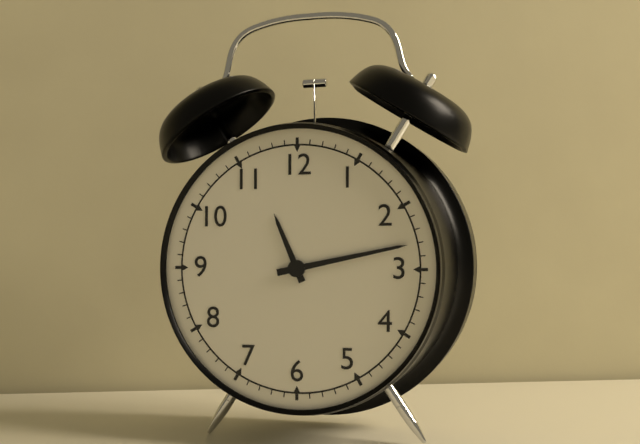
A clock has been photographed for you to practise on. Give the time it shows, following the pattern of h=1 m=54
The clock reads h=11 m=13
